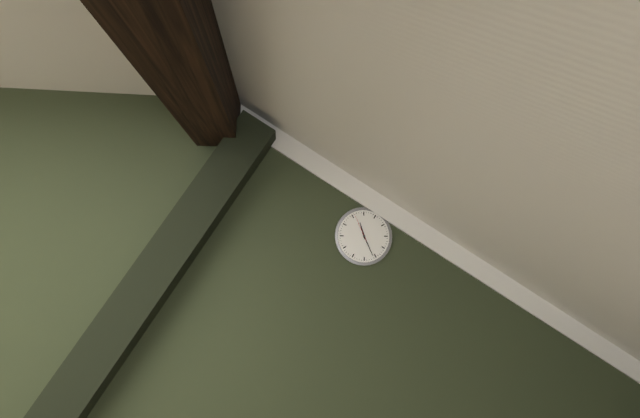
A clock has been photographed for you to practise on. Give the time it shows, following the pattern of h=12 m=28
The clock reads h=11 m=26
